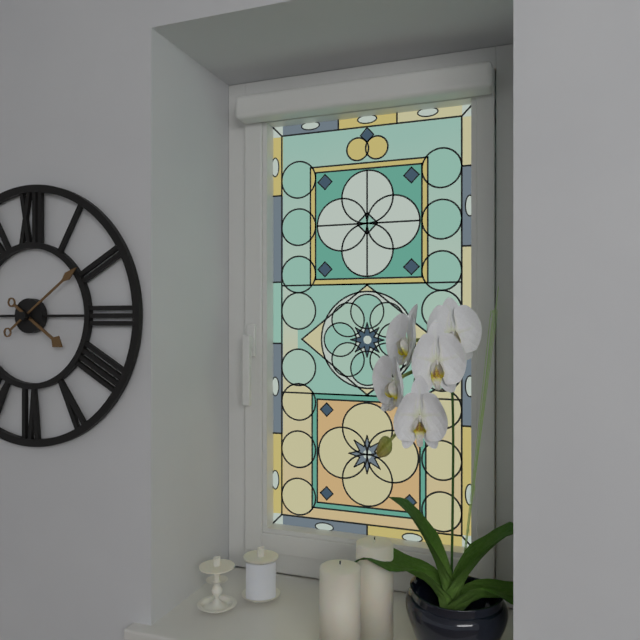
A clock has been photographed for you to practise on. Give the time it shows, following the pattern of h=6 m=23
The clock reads h=4 m=9
